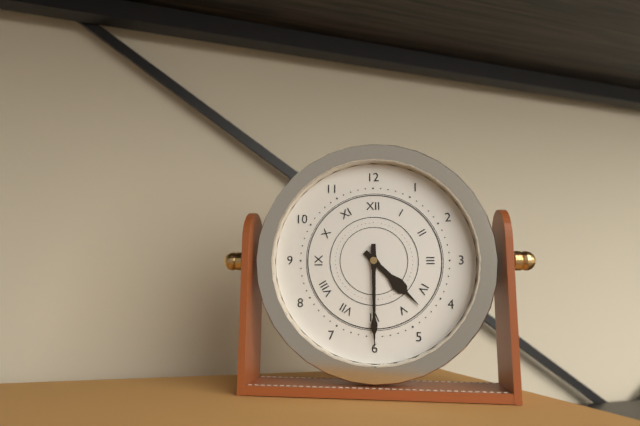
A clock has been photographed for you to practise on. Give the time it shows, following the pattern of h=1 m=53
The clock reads h=4 m=30
